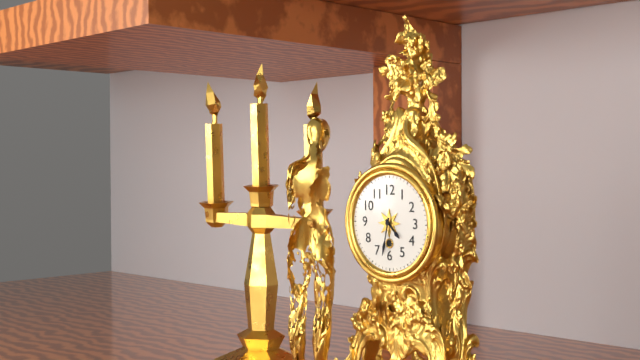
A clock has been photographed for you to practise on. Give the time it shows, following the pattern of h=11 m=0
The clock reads h=4 m=32
